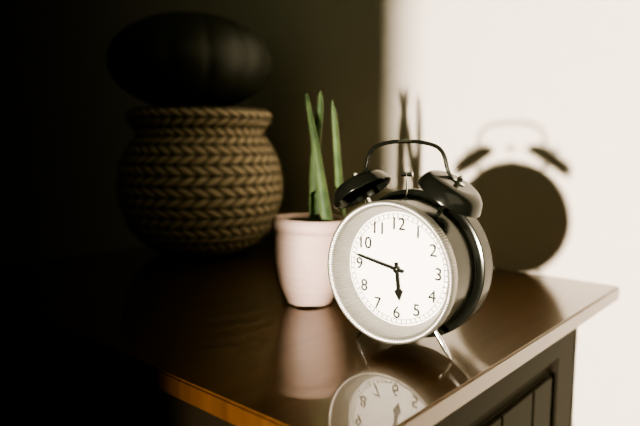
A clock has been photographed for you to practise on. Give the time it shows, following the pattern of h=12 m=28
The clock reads h=5 m=47
